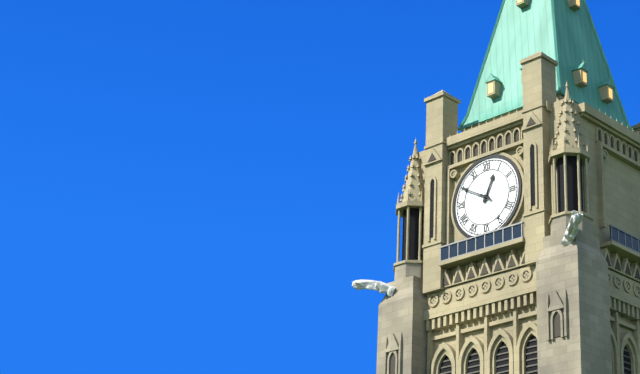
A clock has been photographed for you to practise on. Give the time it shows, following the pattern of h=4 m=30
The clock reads h=12 m=50
